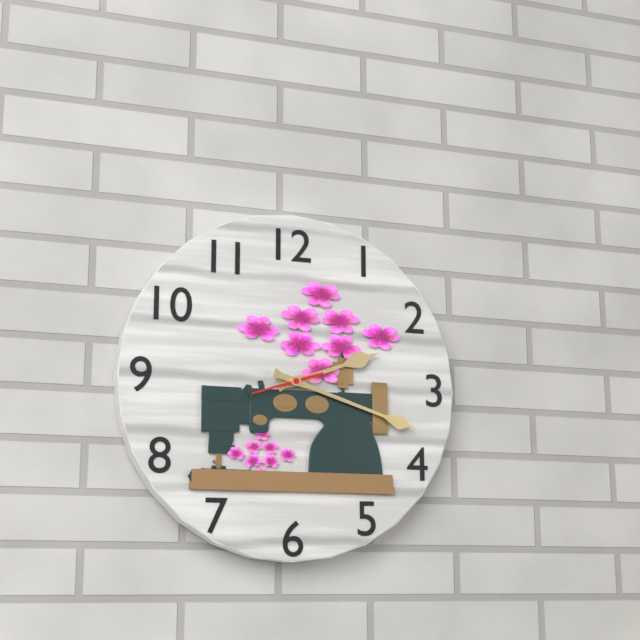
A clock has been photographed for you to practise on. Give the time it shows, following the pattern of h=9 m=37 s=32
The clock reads h=2 m=18 s=42
